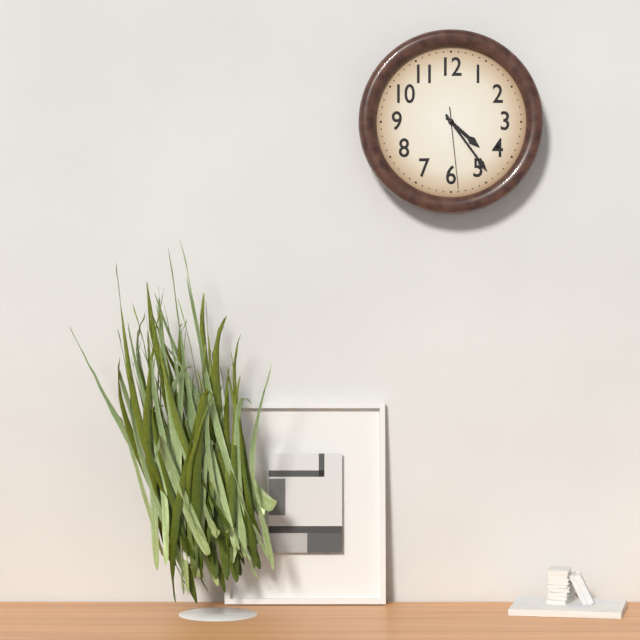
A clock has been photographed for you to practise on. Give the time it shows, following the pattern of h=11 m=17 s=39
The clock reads h=4 m=24 s=29
